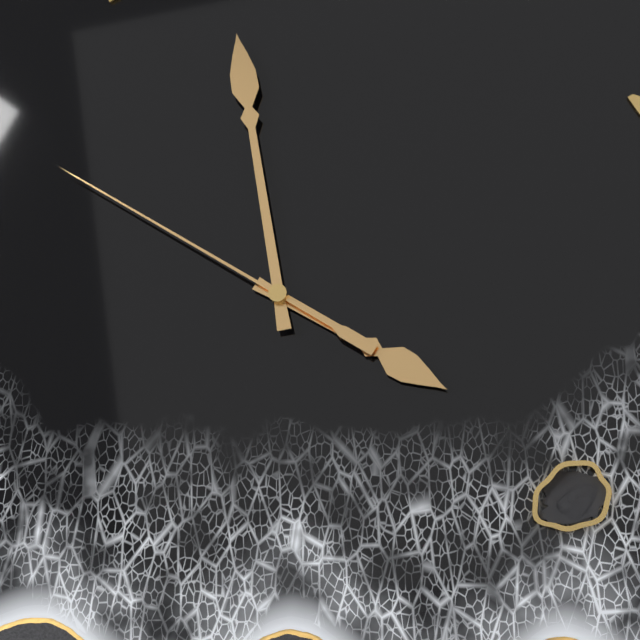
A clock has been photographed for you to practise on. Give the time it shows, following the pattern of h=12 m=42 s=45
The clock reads h=3 m=58 s=50
